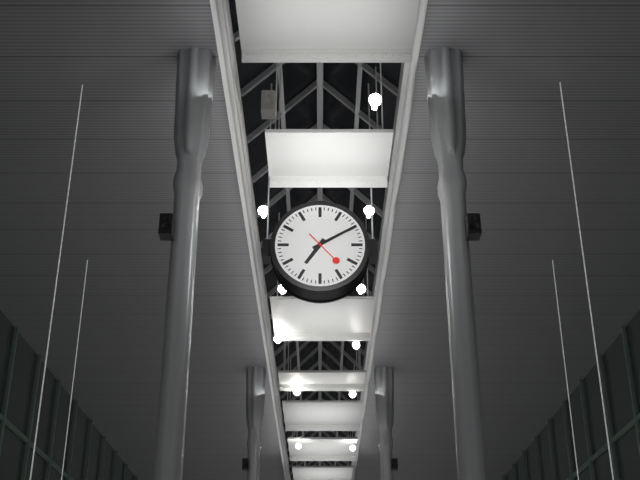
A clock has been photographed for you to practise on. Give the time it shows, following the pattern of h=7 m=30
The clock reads h=7 m=10
